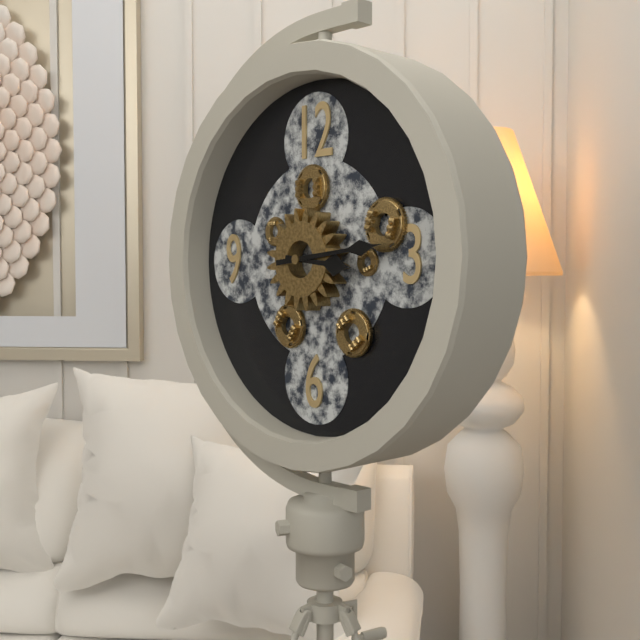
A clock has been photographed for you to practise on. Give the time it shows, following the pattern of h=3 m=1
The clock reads h=3 m=14
